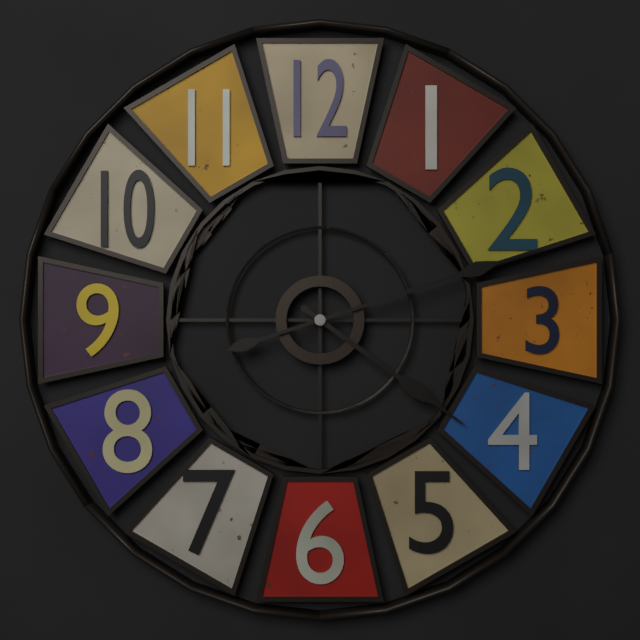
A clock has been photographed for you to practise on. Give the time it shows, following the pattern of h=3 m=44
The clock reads h=4 m=12
